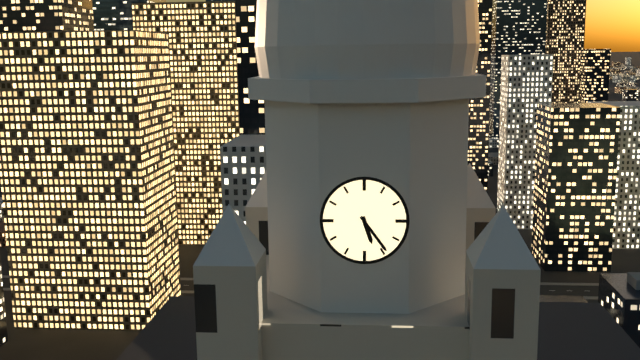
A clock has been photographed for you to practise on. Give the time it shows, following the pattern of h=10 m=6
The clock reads h=5 m=24
